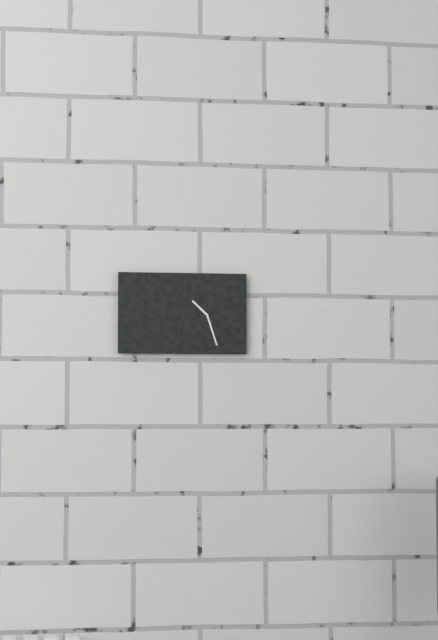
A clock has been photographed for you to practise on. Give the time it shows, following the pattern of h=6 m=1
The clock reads h=10 m=27
